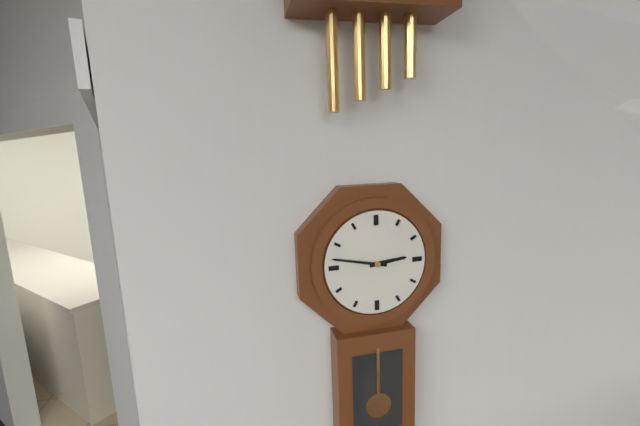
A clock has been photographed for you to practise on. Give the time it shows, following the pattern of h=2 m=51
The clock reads h=2 m=47
